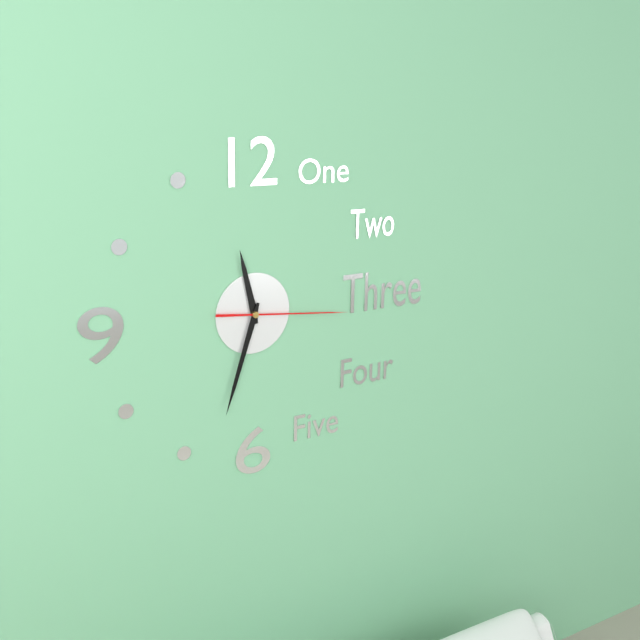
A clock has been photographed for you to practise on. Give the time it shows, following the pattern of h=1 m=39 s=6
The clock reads h=11 m=33 s=16
